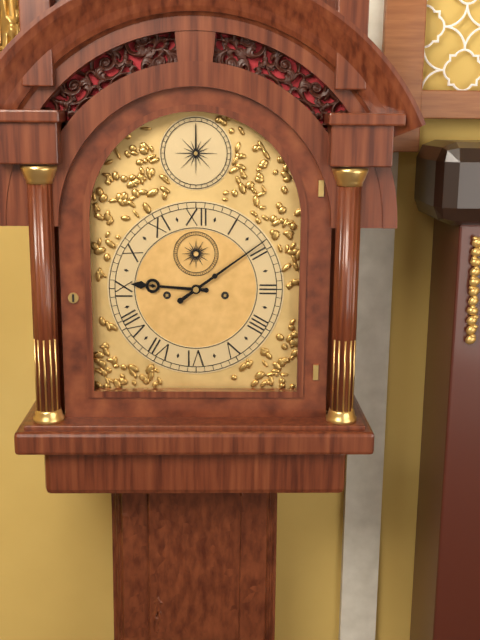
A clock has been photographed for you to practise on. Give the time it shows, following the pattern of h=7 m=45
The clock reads h=9 m=9
